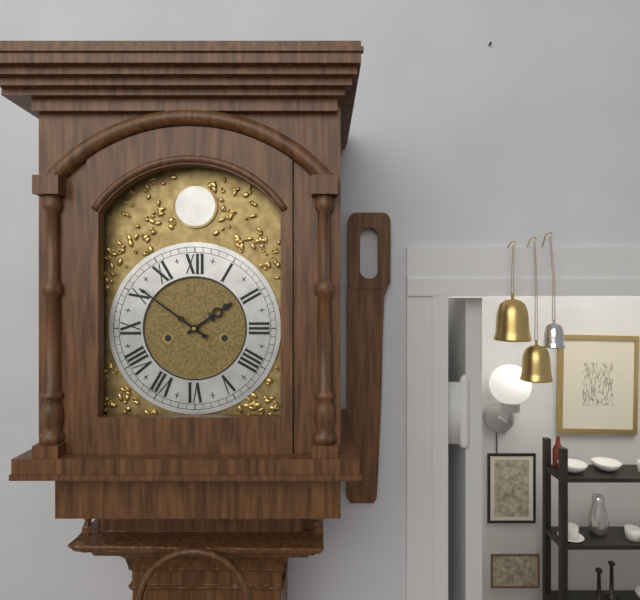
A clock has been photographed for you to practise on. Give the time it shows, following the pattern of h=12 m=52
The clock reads h=1 m=51
